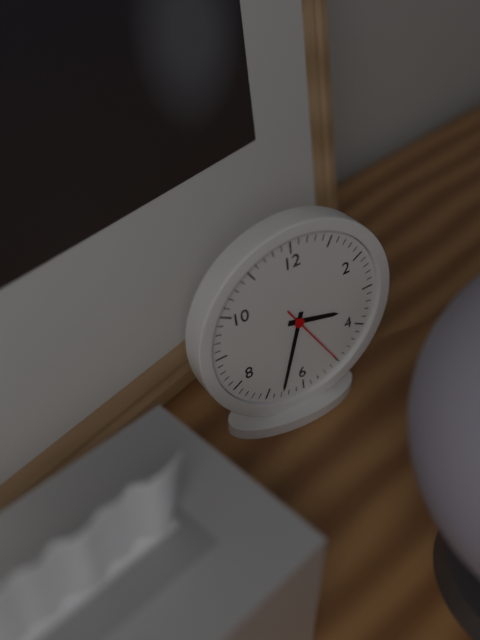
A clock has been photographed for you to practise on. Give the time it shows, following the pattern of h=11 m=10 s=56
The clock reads h=3 m=33 s=25
